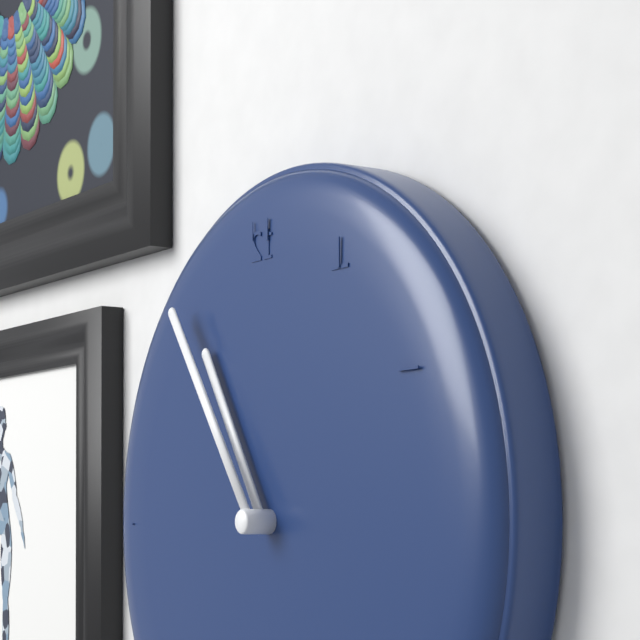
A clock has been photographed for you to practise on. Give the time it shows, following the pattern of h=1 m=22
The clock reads h=10 m=54
